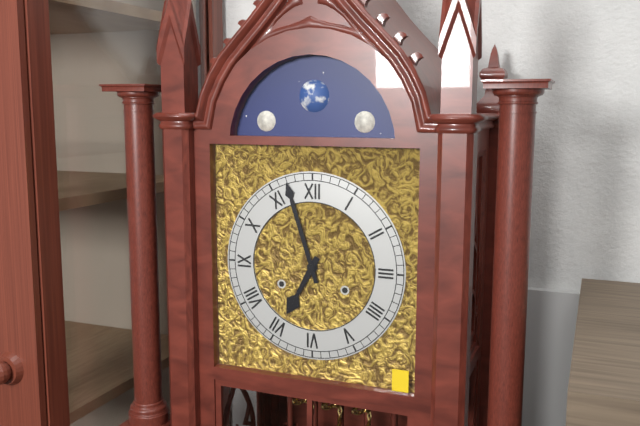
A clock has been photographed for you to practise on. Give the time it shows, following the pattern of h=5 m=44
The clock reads h=6 m=57
